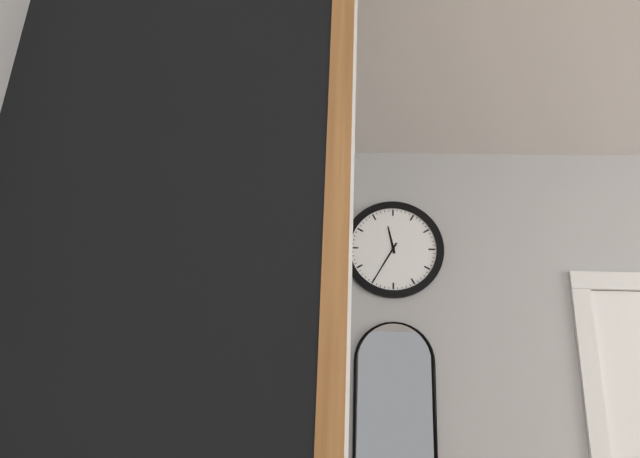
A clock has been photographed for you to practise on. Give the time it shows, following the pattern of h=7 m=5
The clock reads h=11 m=35
